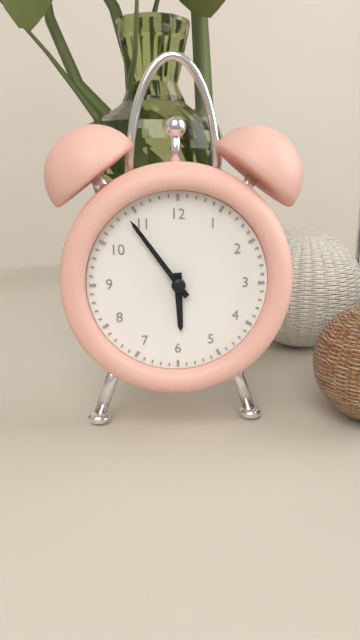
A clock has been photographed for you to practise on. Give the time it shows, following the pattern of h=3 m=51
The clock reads h=5 m=54
